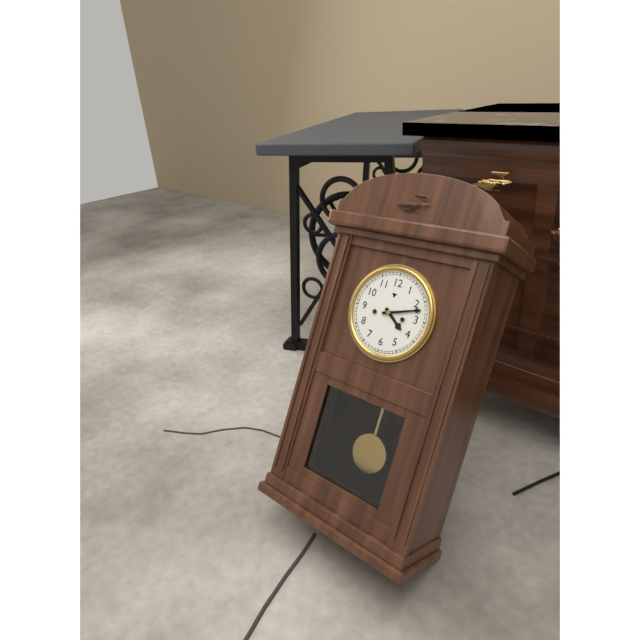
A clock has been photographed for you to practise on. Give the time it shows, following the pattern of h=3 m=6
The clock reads h=4 m=12
